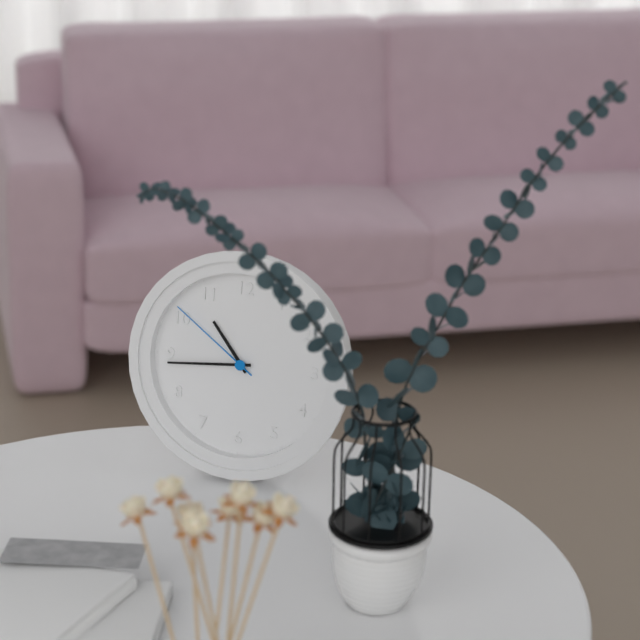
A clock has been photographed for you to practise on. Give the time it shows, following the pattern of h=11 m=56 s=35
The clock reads h=10 m=44 s=51
